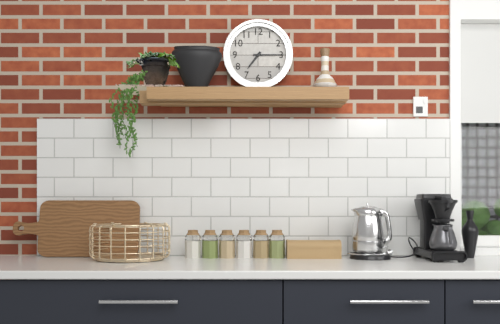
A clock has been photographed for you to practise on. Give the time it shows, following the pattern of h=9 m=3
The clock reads h=7 m=15
